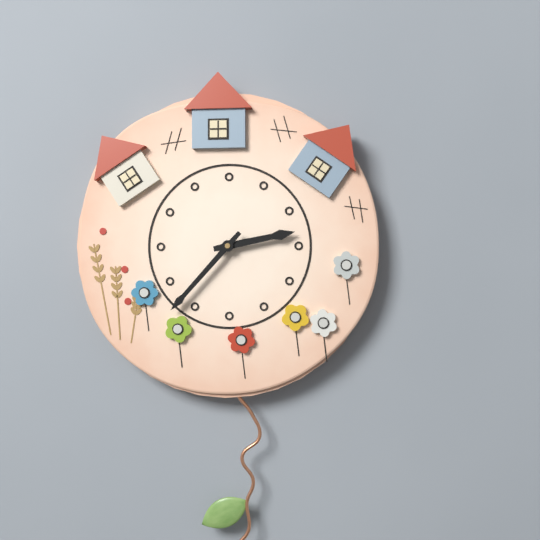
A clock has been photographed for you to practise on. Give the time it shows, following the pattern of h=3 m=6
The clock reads h=2 m=37
